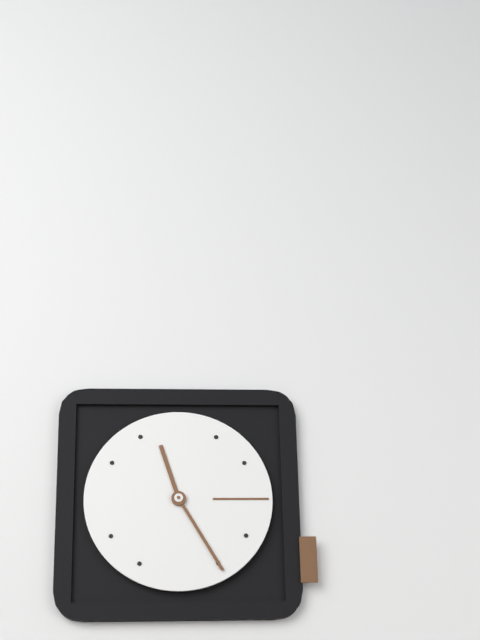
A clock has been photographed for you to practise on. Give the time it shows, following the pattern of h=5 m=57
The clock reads h=11 m=25
